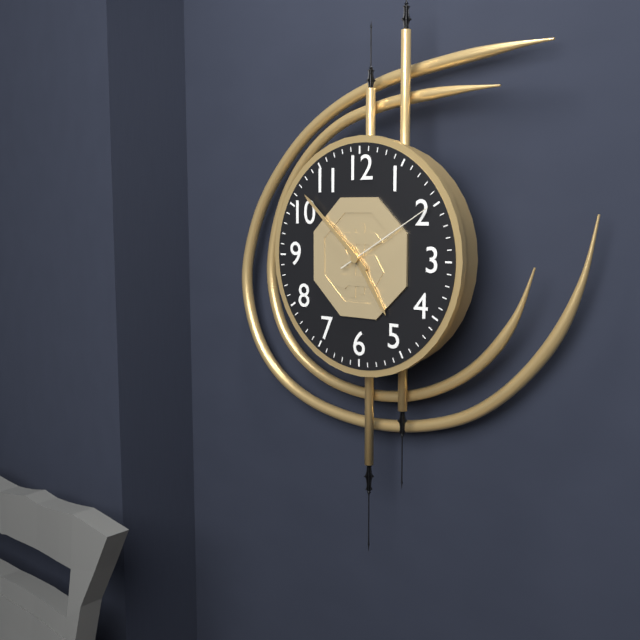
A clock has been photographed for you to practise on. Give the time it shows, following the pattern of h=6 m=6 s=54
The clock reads h=4 m=52 s=10
